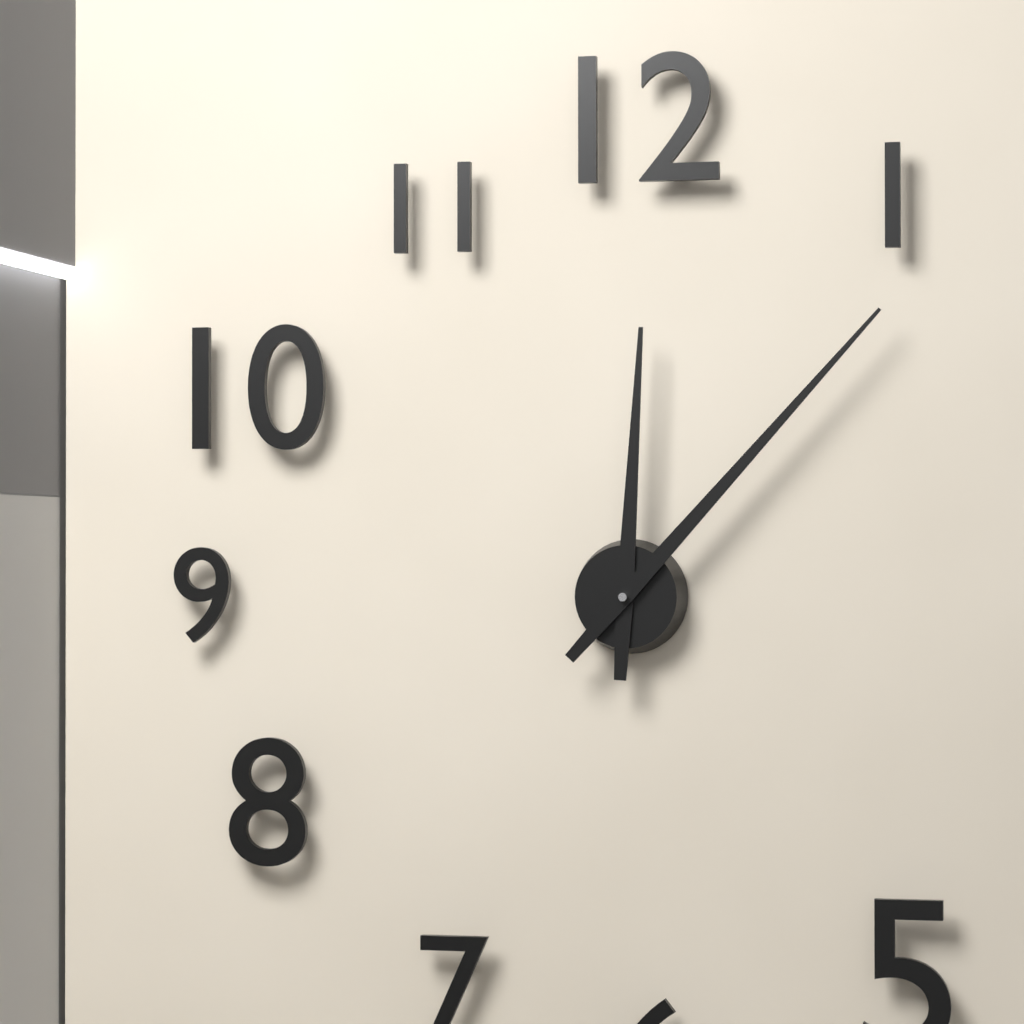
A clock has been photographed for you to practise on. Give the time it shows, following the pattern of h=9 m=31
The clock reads h=12 m=7
